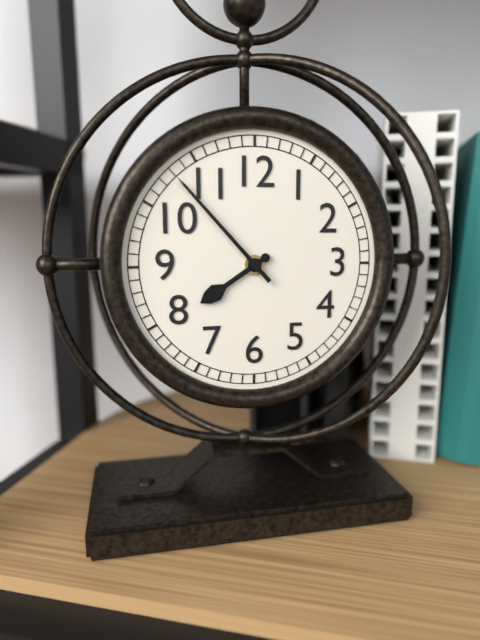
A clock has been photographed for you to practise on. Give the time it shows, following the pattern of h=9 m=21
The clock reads h=7 m=53
